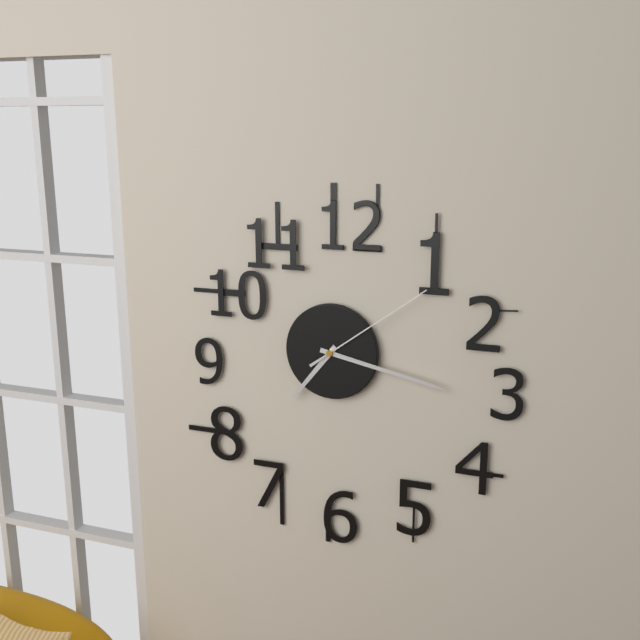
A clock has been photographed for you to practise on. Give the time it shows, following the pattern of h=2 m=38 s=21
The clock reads h=7 m=17 s=9
